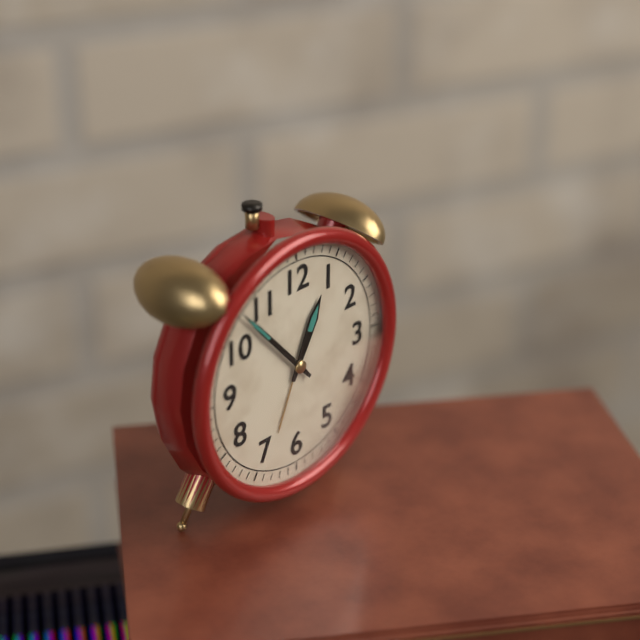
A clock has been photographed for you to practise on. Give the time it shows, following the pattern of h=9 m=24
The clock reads h=12 m=53
